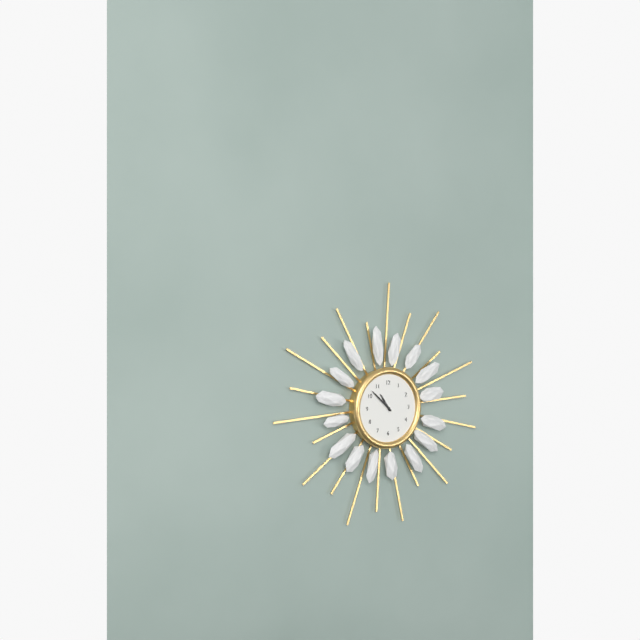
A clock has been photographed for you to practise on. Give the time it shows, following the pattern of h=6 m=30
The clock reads h=10 m=52
